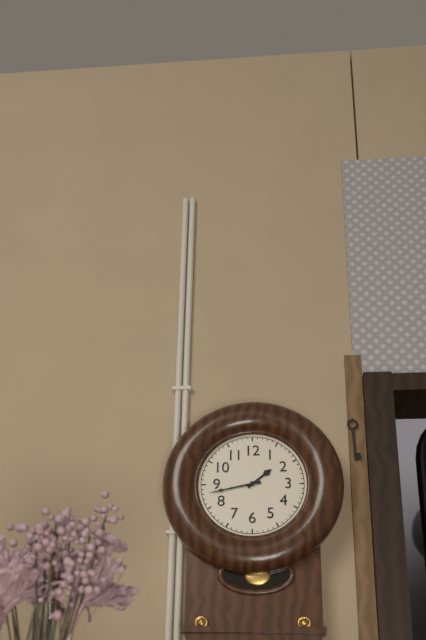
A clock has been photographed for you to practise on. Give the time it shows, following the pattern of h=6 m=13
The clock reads h=1 m=43
